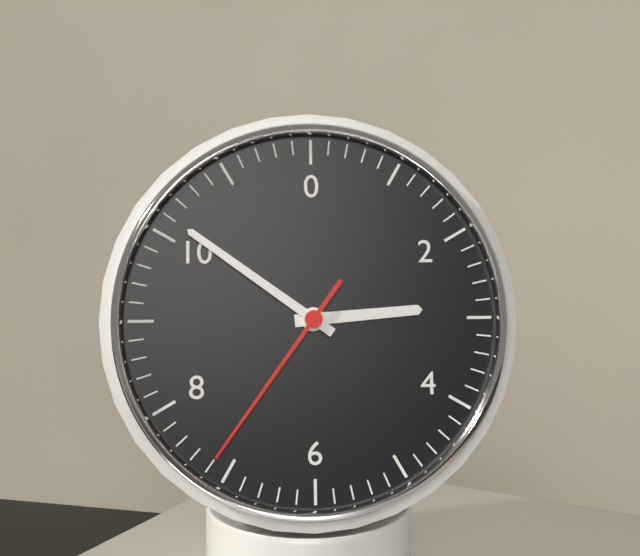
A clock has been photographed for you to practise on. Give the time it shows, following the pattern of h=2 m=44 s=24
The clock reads h=2 m=51 s=36
